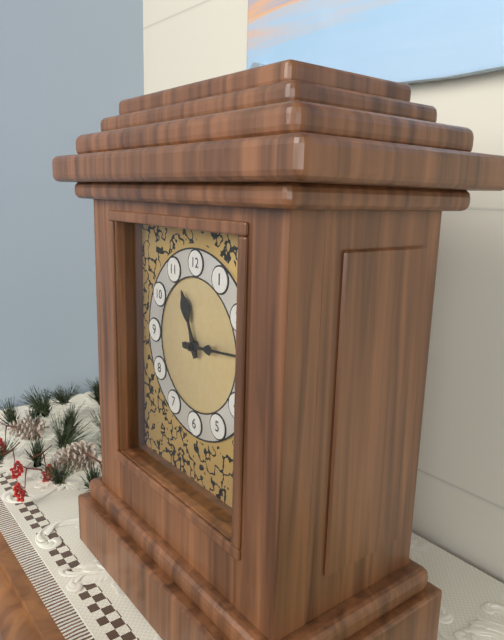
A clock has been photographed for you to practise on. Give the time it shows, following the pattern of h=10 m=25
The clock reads h=11 m=14
